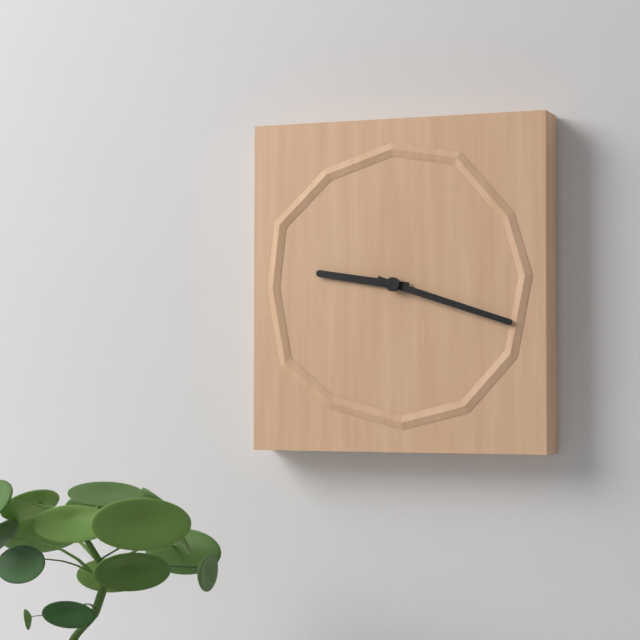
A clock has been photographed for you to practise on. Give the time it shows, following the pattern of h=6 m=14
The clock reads h=9 m=18
